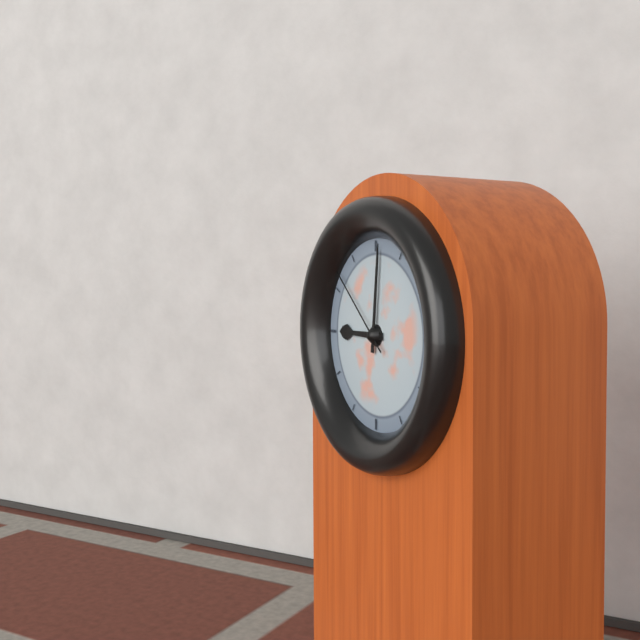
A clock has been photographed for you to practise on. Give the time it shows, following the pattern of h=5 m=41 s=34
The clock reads h=9 m=1 s=52
